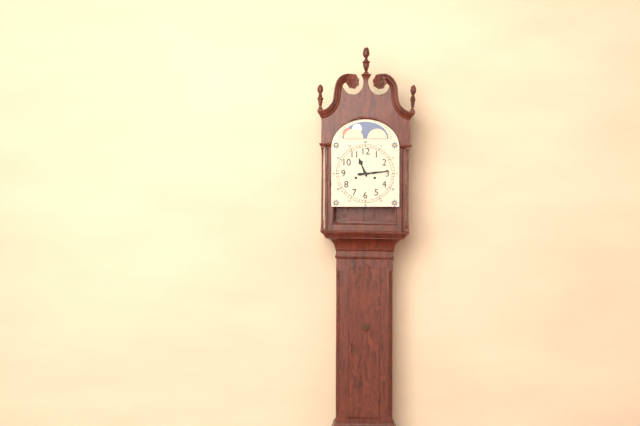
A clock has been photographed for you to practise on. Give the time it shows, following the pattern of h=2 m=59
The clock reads h=11 m=14
